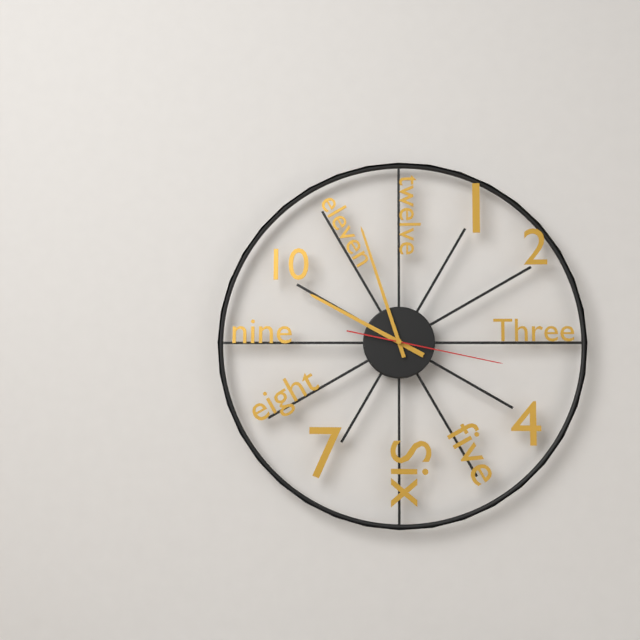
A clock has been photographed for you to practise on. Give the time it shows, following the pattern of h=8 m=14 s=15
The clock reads h=9 m=57 s=17
